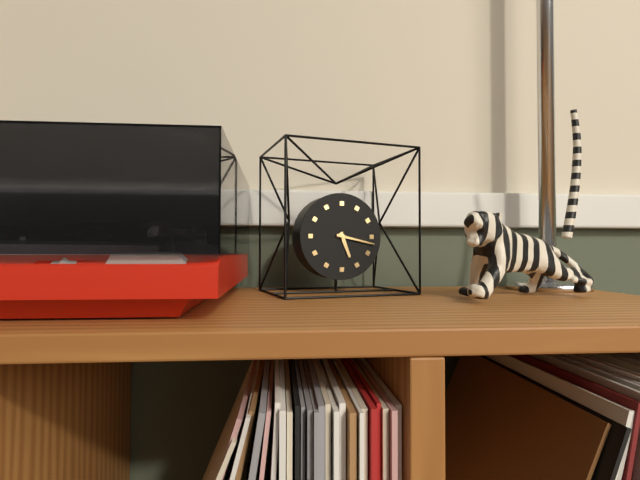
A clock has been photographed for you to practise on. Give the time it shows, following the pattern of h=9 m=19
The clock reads h=5 m=17
